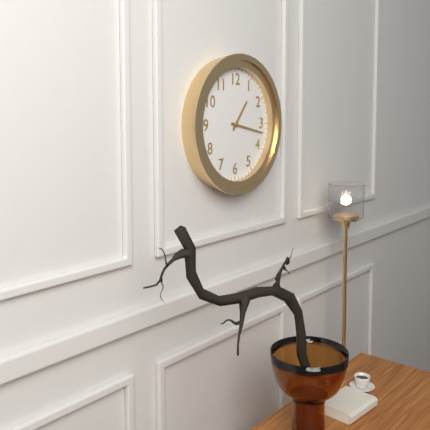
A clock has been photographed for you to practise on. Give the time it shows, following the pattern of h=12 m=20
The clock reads h=1 m=17
